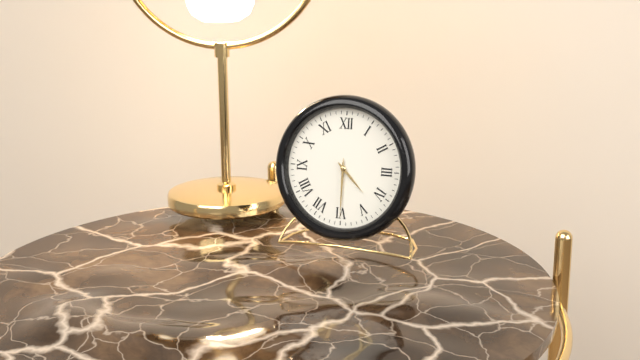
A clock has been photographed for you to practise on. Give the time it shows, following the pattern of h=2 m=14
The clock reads h=4 m=30
